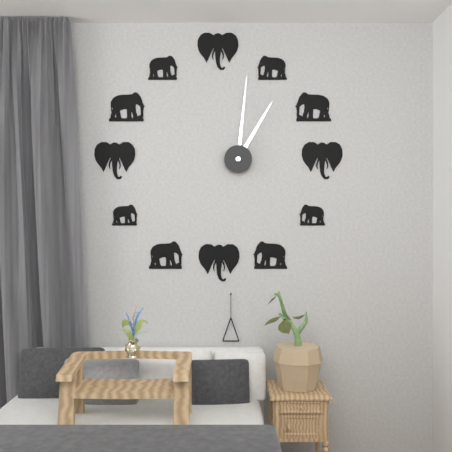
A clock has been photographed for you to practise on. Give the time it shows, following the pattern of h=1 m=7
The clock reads h=1 m=1
